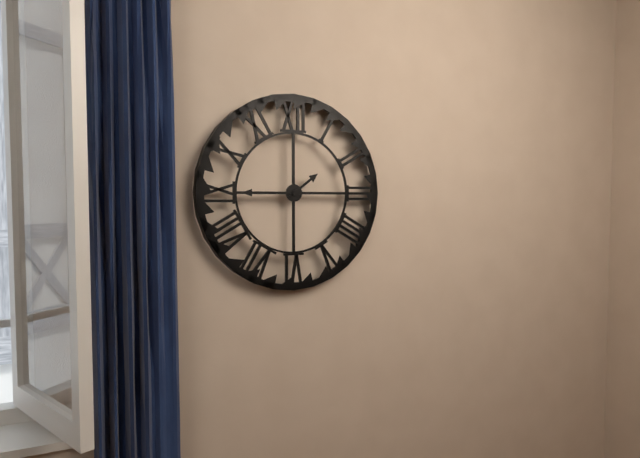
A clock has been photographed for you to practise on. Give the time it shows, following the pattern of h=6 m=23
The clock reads h=1 m=45
